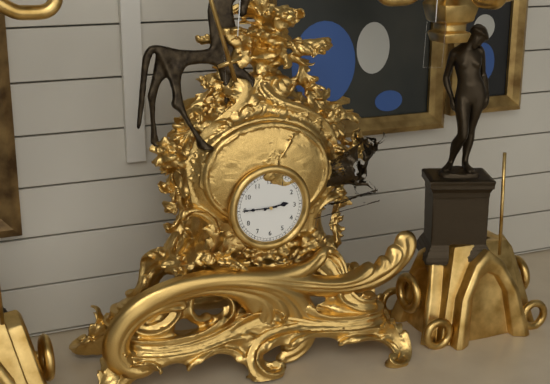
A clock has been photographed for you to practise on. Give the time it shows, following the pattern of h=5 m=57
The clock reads h=2 m=45
